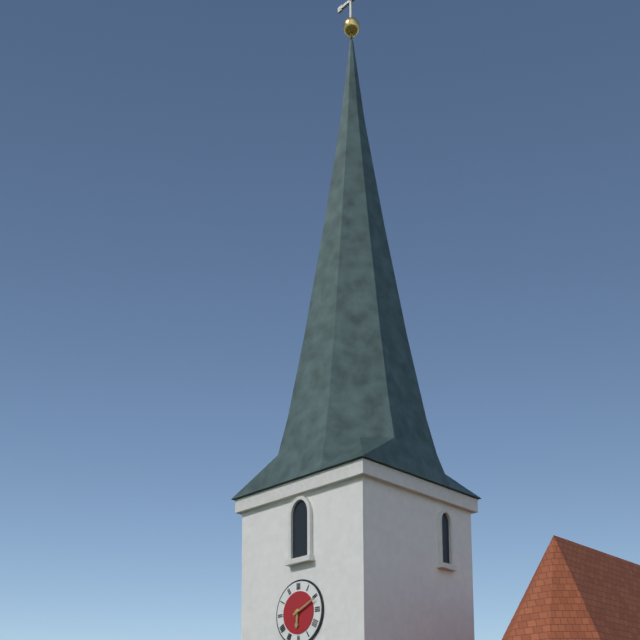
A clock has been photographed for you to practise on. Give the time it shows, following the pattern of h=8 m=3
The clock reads h=6 m=11
